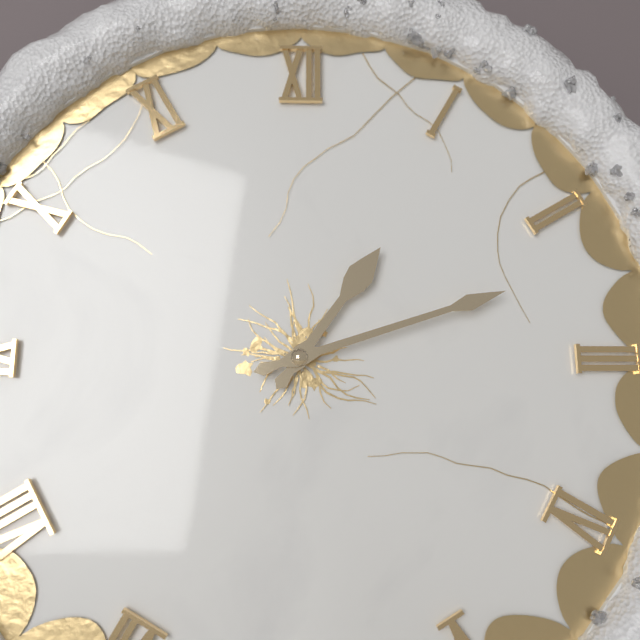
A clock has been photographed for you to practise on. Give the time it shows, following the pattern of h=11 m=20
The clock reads h=1 m=12
